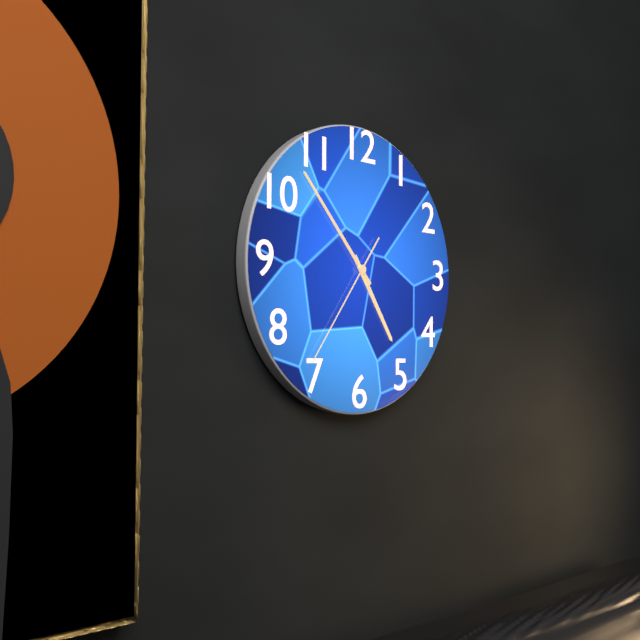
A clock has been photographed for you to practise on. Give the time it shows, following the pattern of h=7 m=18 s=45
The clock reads h=4 m=53 s=36
